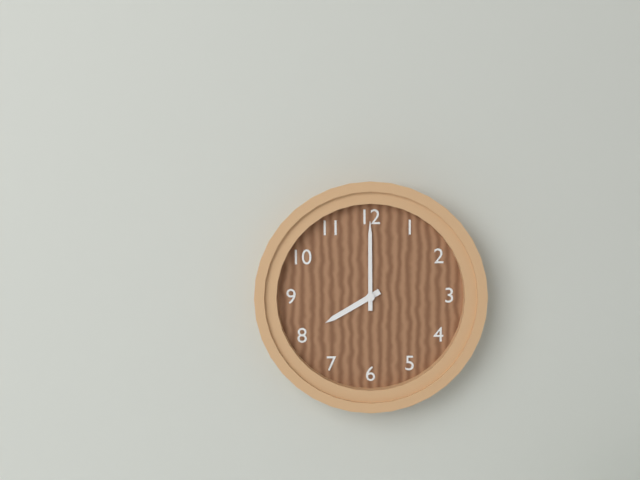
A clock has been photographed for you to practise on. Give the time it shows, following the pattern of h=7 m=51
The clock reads h=8 m=0
